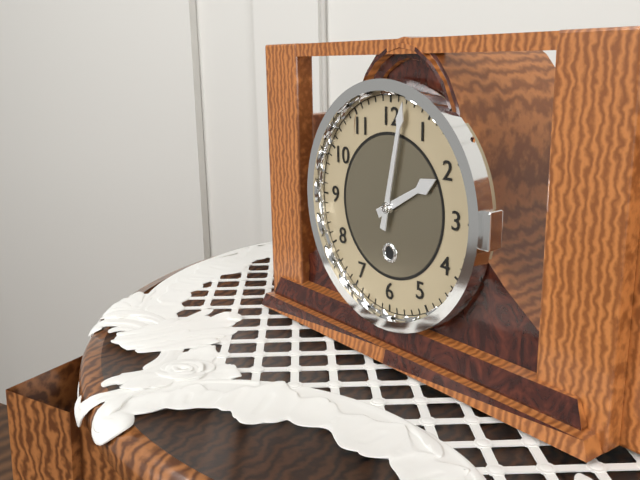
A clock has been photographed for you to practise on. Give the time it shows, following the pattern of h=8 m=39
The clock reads h=2 m=2
